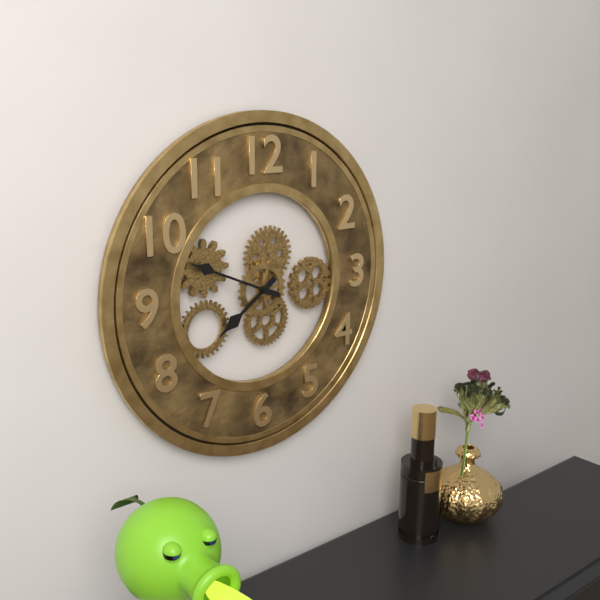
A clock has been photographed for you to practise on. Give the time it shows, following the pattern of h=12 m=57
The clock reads h=7 m=49
